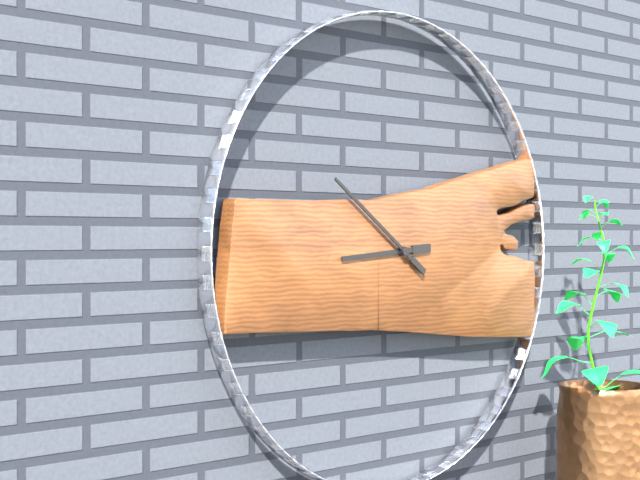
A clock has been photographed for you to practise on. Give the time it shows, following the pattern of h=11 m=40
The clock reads h=8 m=51
